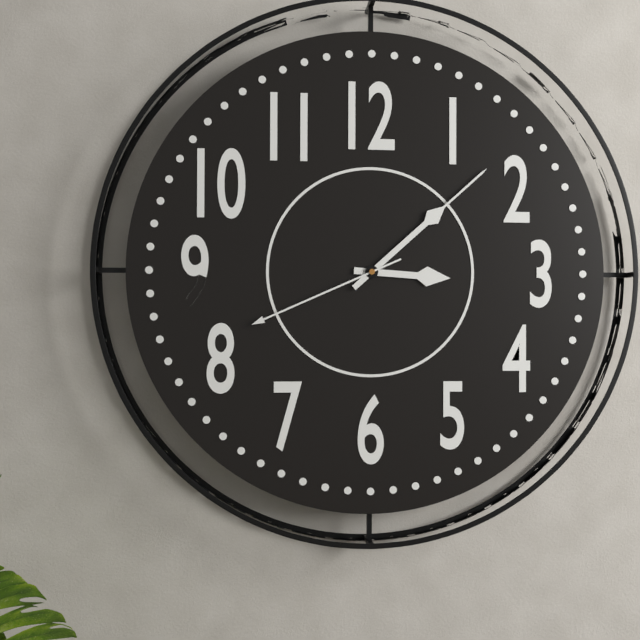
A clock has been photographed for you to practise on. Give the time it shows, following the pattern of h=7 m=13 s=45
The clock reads h=3 m=8 s=41
